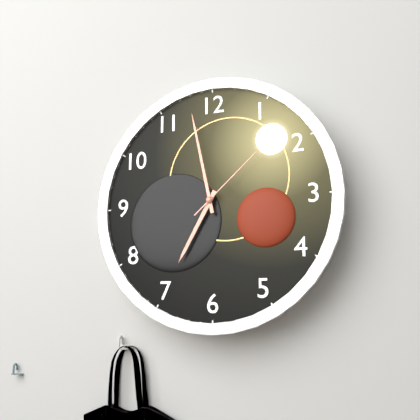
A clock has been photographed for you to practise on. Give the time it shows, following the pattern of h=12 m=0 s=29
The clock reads h=6 m=58 s=8
